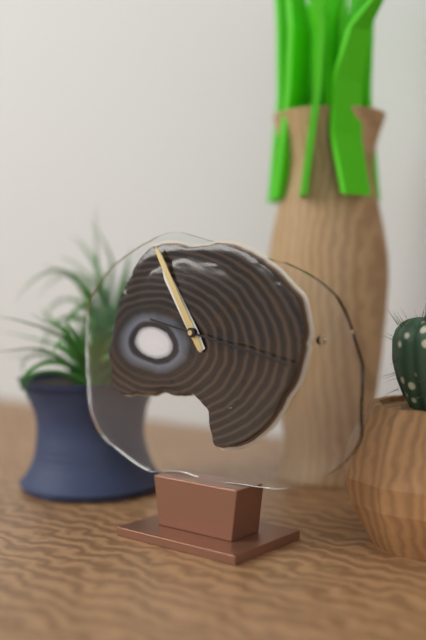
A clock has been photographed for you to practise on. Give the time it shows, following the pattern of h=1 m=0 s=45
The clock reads h=10 m=55 s=17
